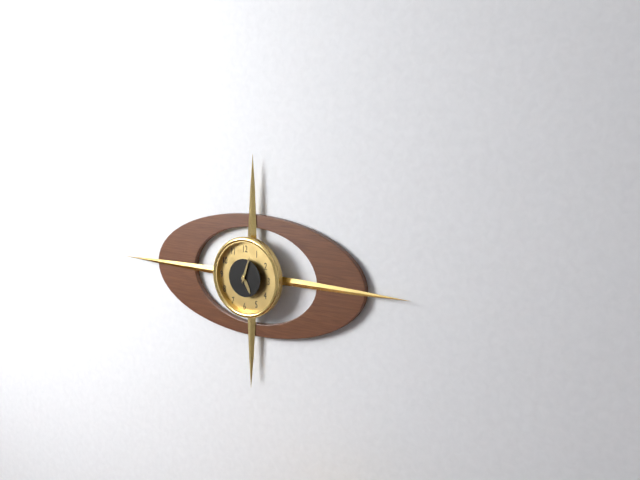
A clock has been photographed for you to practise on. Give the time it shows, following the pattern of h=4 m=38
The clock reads h=5 m=3
